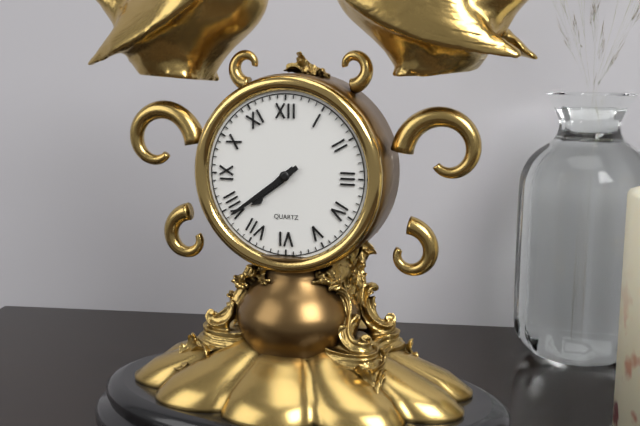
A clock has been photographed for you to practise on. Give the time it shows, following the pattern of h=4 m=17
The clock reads h=7 m=39
